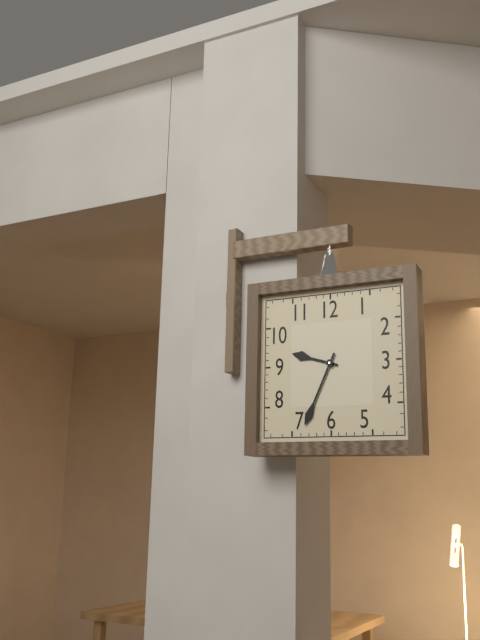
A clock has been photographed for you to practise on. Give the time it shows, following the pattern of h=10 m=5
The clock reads h=9 m=34
